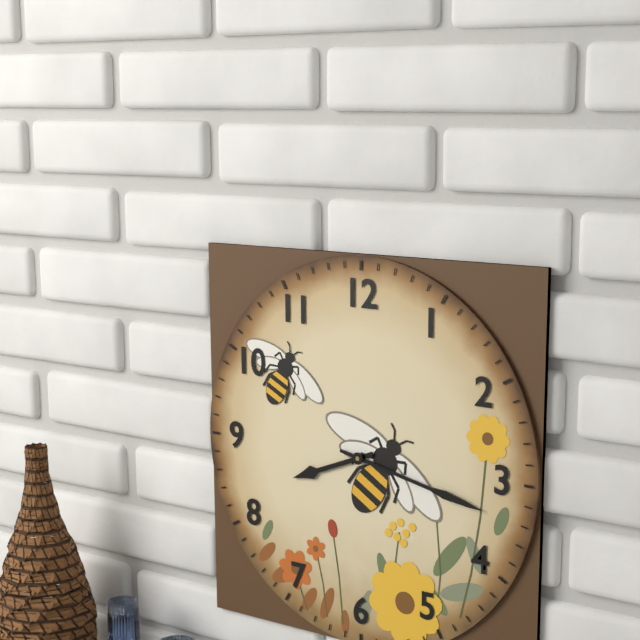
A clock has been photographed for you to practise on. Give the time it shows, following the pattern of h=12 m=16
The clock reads h=8 m=17
